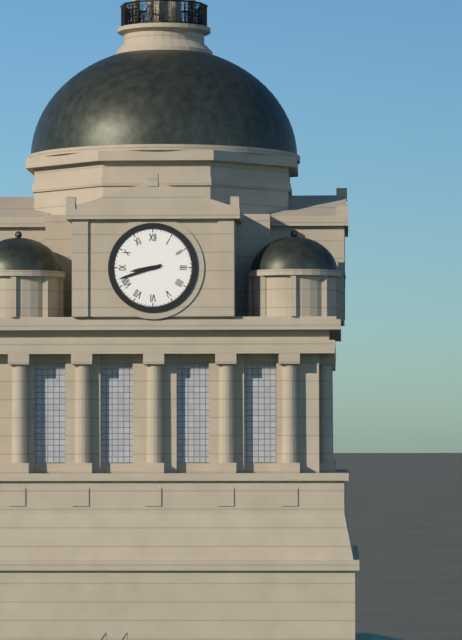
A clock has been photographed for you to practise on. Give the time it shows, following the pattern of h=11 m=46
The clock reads h=8 m=42
